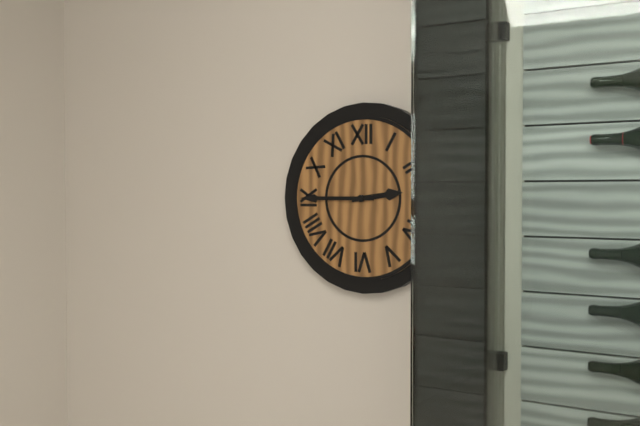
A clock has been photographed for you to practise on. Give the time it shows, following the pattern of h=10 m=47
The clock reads h=2 m=45
